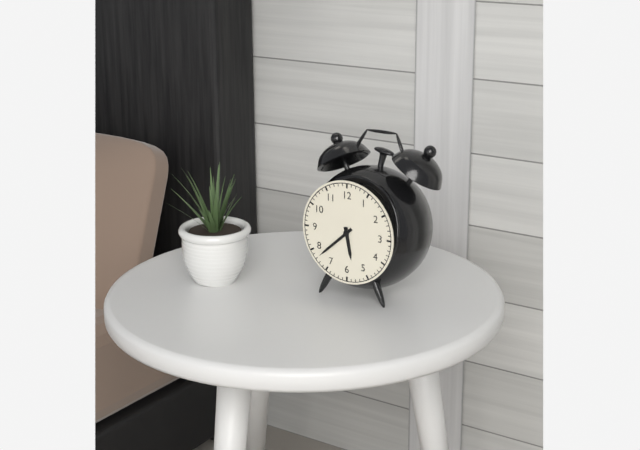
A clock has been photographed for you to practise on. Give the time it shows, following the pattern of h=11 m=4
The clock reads h=5 m=38
